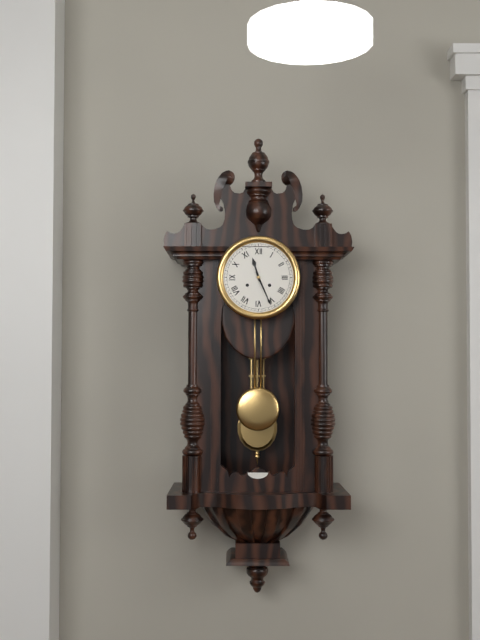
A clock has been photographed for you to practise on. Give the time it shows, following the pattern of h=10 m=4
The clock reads h=11 m=26
